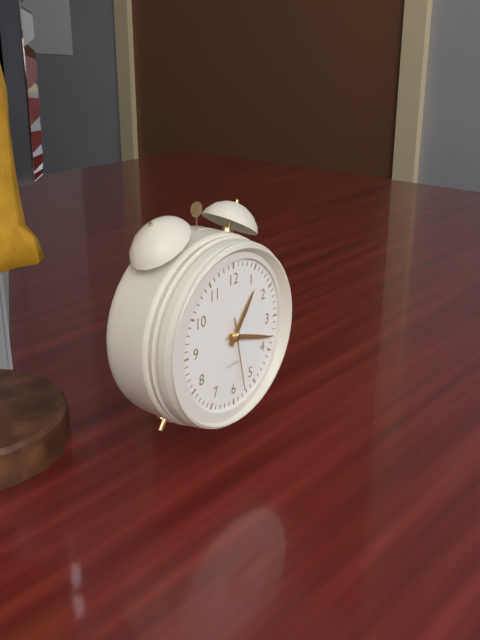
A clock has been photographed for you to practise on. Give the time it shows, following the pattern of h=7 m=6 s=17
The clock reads h=1 m=18 s=28
